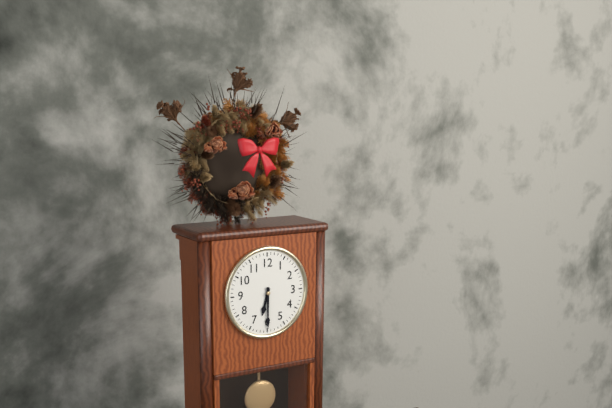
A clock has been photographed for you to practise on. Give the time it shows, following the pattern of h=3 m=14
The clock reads h=6 m=30
